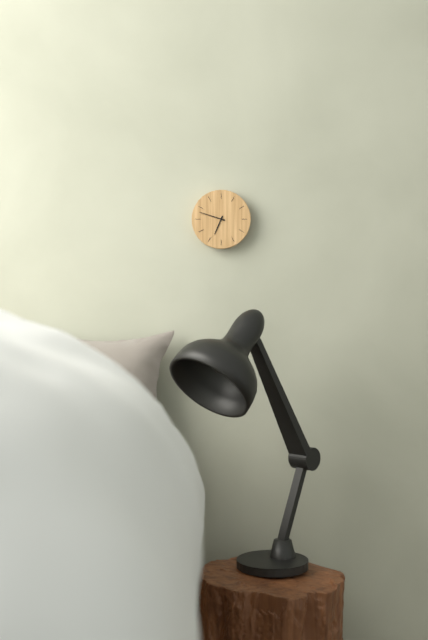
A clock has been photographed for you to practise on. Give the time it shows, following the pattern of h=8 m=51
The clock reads h=6 m=48
